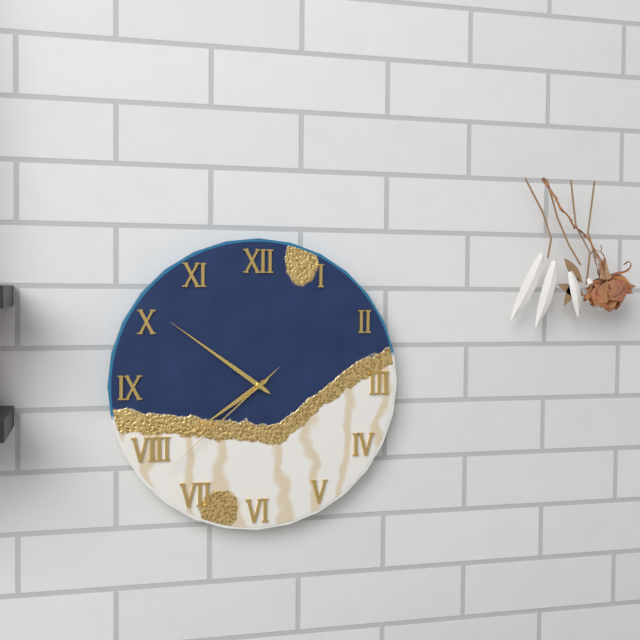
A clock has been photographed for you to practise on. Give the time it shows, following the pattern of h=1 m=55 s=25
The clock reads h=7 m=51 s=38
